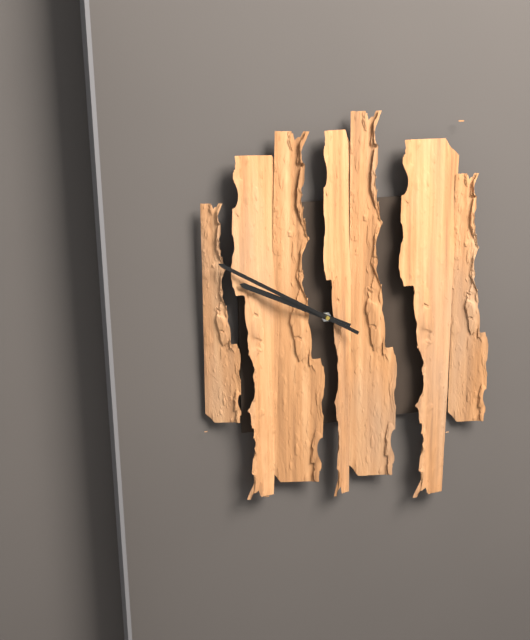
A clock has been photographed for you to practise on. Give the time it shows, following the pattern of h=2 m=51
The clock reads h=9 m=50
